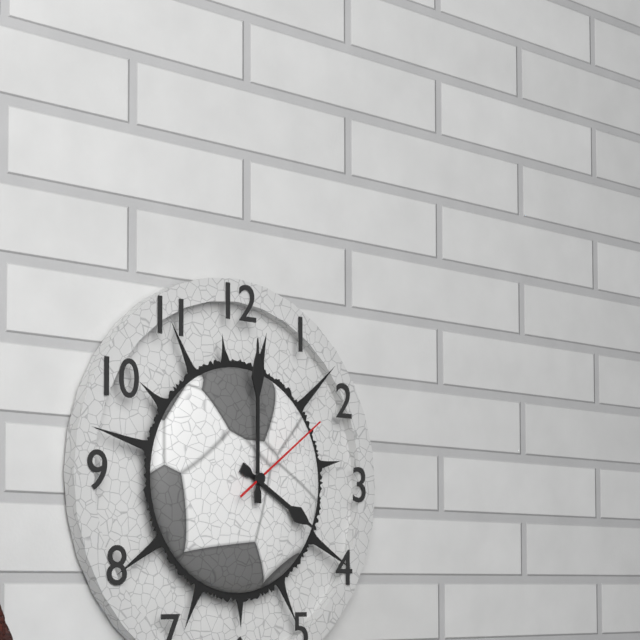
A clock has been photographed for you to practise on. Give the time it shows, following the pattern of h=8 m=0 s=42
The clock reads h=4 m=0 s=9
